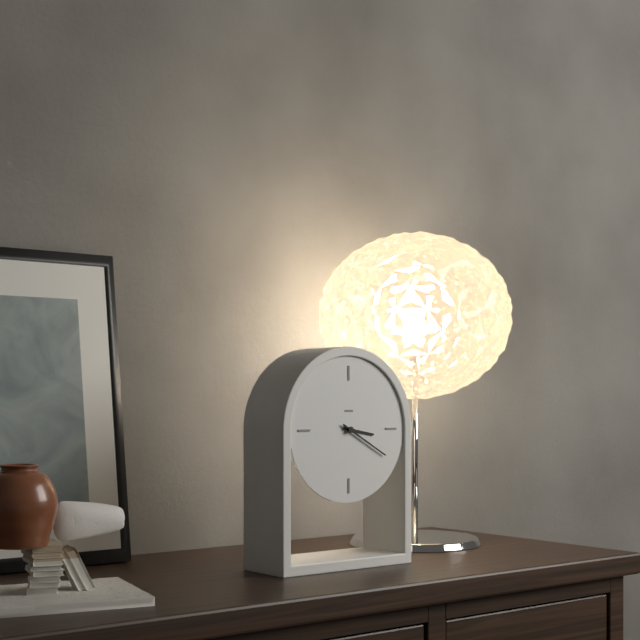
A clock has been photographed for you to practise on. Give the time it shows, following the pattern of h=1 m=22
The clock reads h=3 m=20
